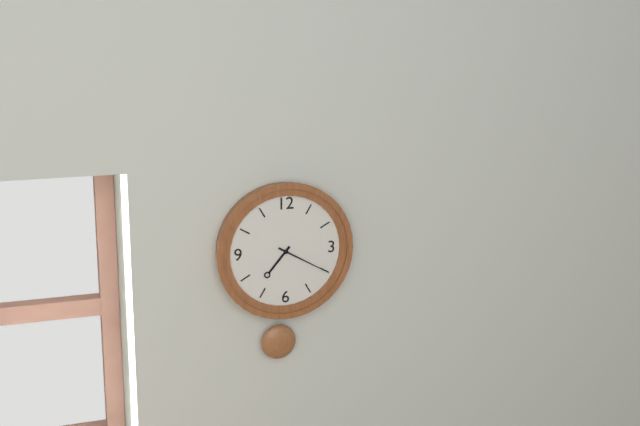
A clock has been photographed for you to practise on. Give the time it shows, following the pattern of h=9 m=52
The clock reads h=7 m=20
